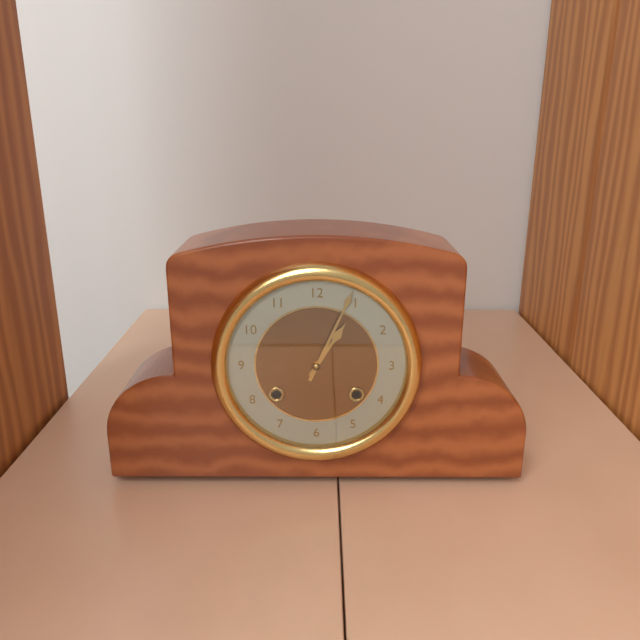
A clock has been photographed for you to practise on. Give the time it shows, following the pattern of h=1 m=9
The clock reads h=1 m=4
